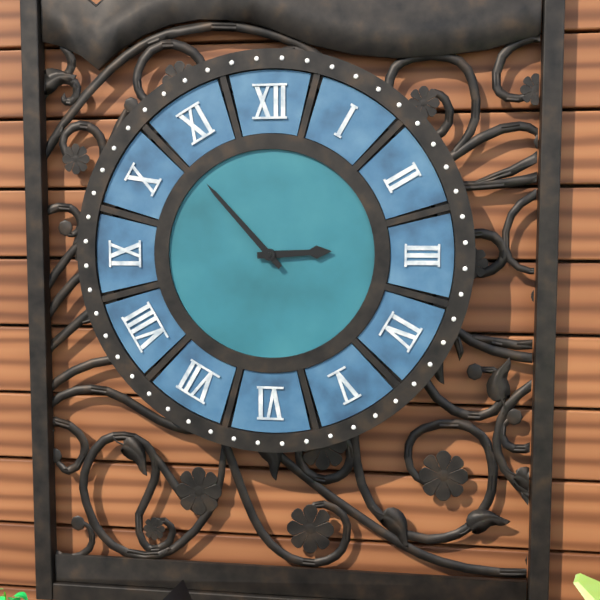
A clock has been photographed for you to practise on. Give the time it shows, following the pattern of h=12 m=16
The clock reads h=2 m=53
